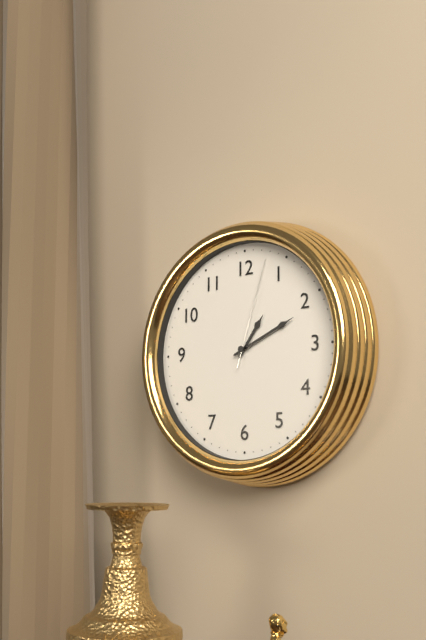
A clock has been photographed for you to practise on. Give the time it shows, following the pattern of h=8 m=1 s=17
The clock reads h=1 m=11 s=3
